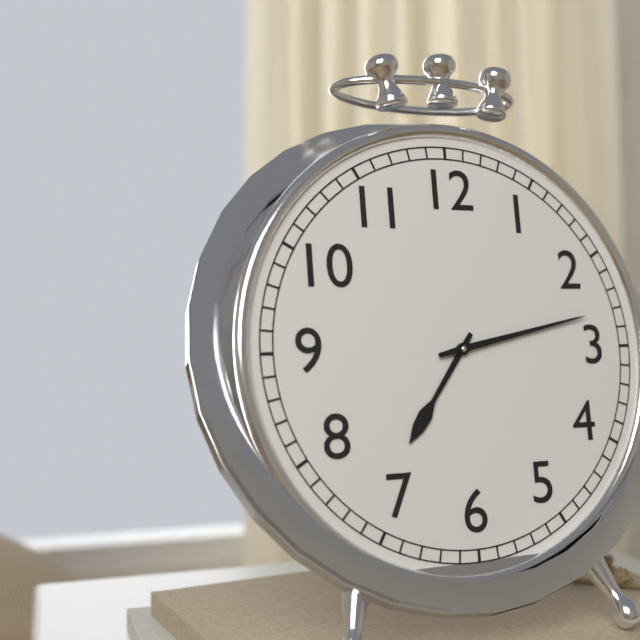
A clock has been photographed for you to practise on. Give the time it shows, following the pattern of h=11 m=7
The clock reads h=7 m=13
